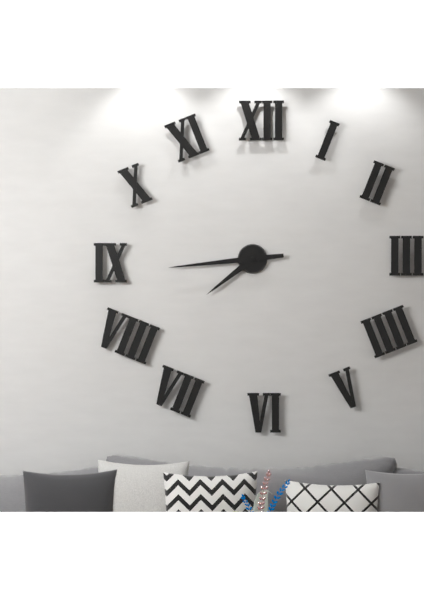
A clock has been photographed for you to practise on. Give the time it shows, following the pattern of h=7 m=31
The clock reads h=7 m=44
